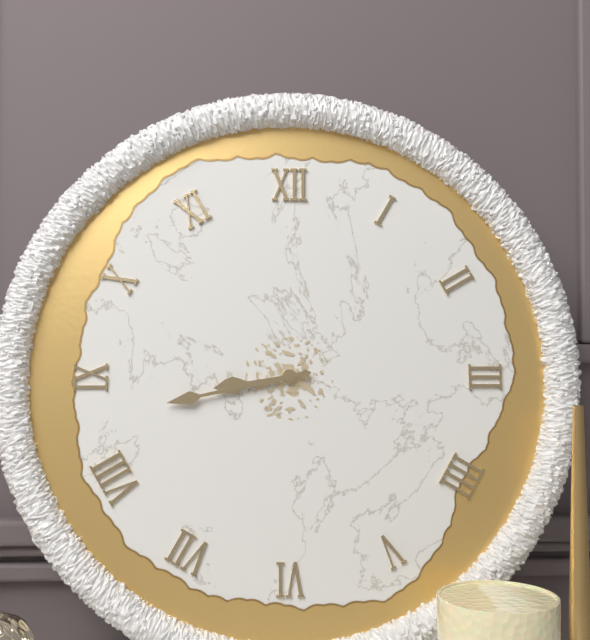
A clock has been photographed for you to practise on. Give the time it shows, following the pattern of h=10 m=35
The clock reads h=8 m=43
